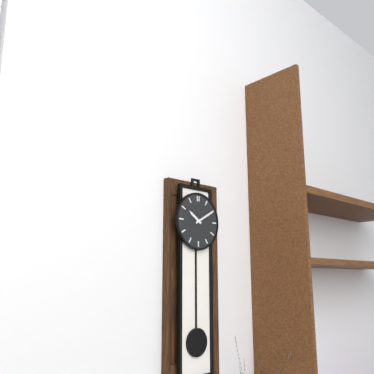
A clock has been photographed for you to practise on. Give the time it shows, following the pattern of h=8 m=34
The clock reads h=10 m=10
